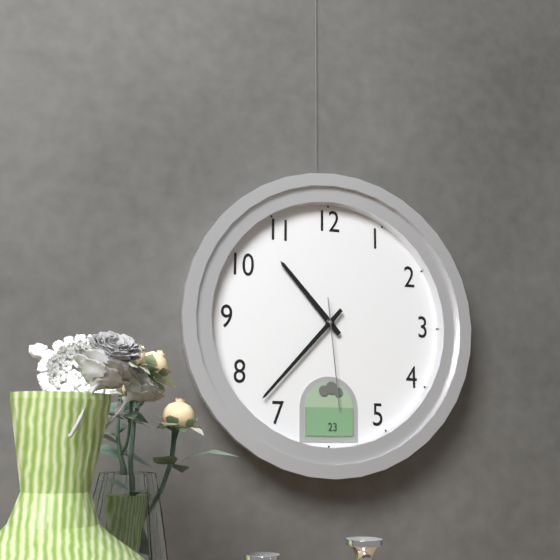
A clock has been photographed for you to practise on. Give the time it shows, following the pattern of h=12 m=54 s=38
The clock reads h=10 m=37 s=29
